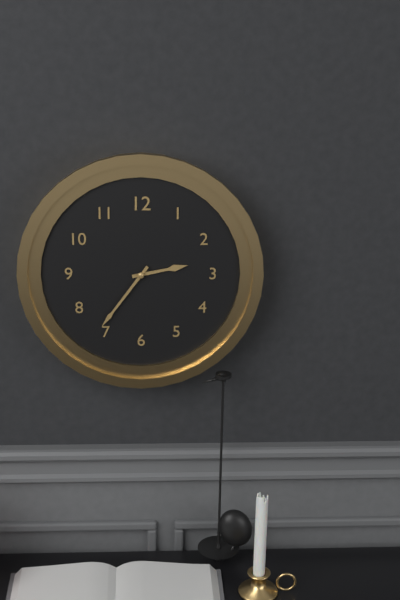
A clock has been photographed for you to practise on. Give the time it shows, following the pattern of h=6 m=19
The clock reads h=2 m=36
